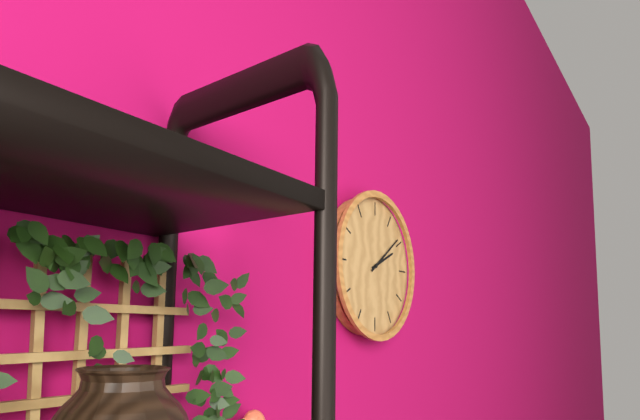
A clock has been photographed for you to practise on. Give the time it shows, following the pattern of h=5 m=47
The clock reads h=2 m=9
